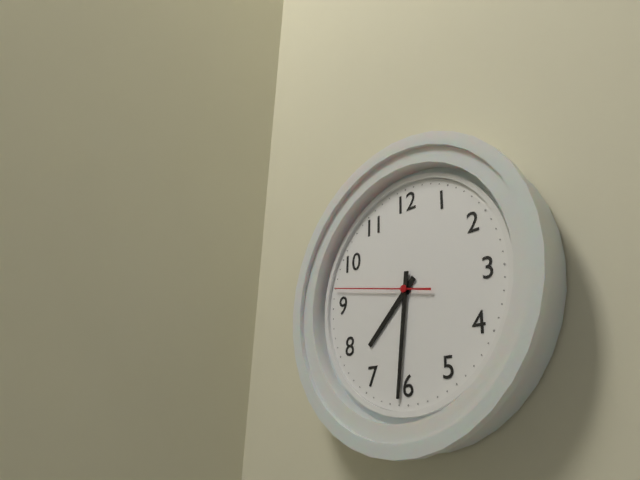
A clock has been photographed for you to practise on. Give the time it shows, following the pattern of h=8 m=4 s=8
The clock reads h=7 m=31 s=47
